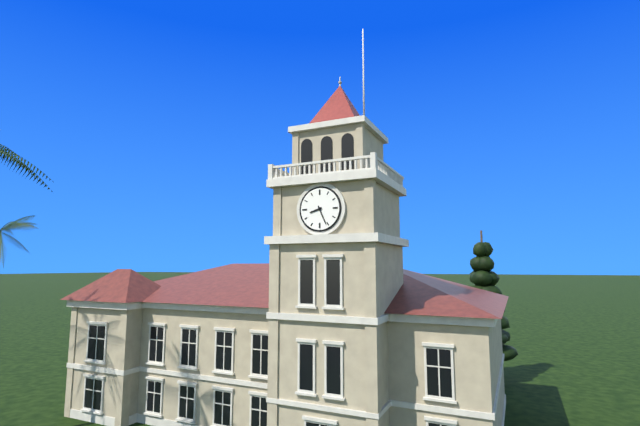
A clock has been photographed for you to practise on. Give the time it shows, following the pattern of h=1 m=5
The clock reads h=8 m=26
